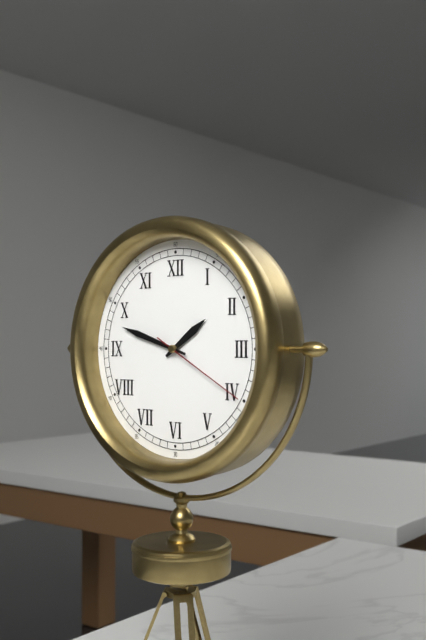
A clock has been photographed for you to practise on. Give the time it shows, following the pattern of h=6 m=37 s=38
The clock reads h=1 m=48 s=20
